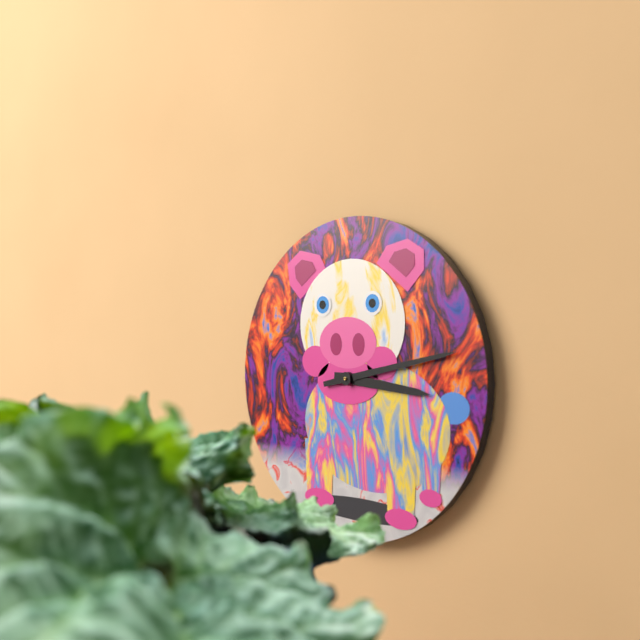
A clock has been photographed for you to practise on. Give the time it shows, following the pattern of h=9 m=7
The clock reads h=3 m=13
